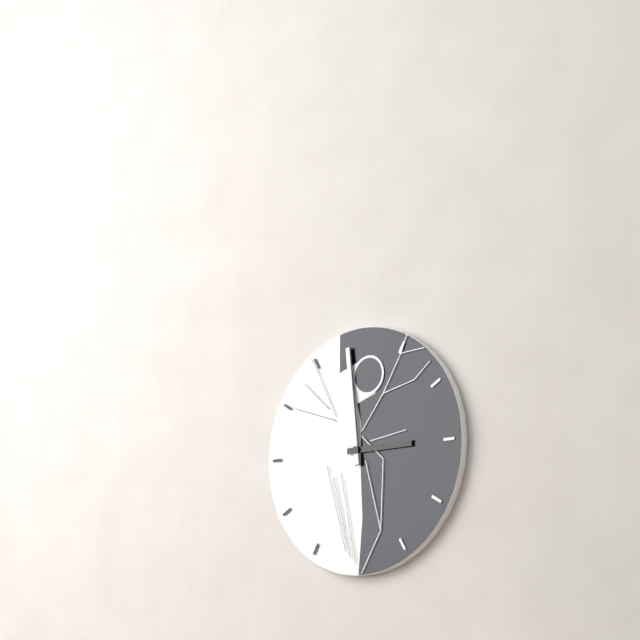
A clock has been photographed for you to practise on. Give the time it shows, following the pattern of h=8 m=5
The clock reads h=2 m=59
